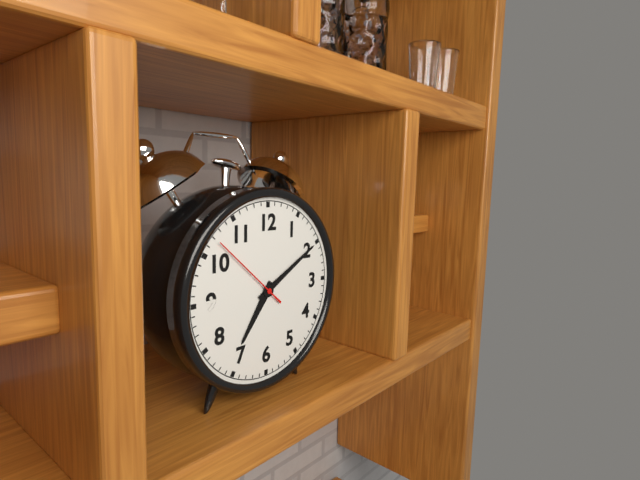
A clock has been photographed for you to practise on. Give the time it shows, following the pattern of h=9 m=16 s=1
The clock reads h=7 m=10 s=52
